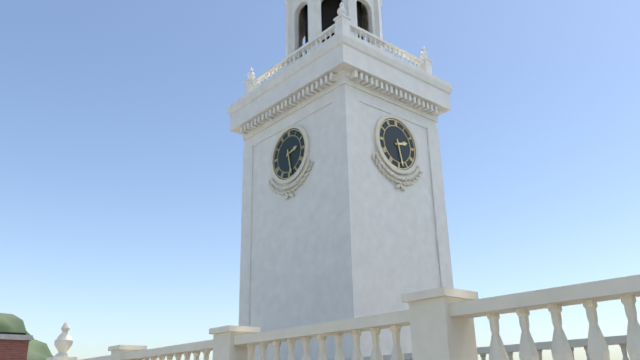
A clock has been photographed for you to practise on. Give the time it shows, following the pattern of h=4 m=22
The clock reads h=2 m=28
